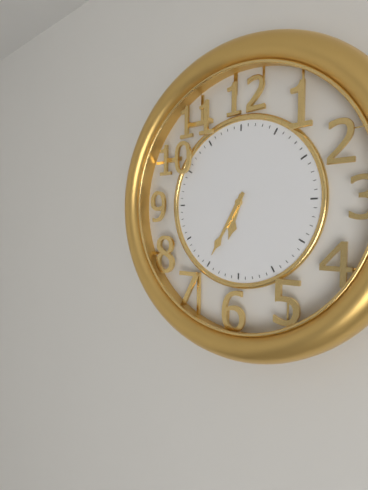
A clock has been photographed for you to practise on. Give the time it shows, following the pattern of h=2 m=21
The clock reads h=6 m=35
